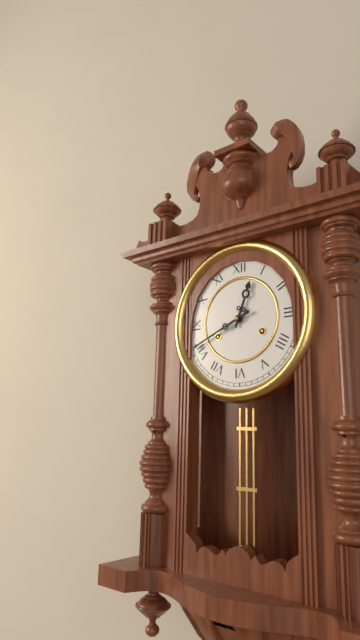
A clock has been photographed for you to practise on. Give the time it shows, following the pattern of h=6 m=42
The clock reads h=12 m=41
